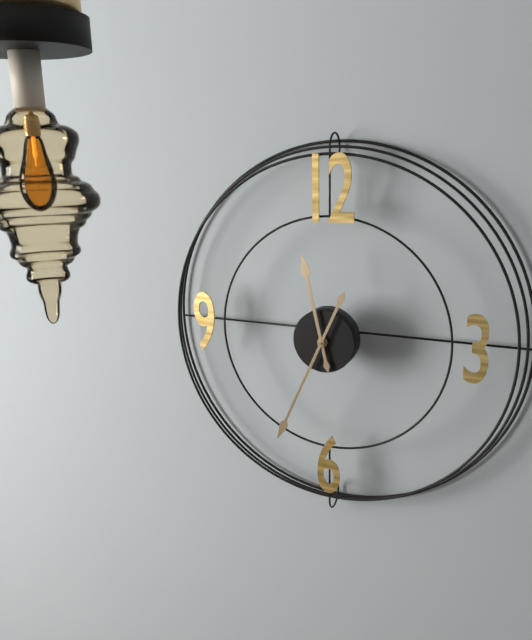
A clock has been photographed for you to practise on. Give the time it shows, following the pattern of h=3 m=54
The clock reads h=11 m=34
